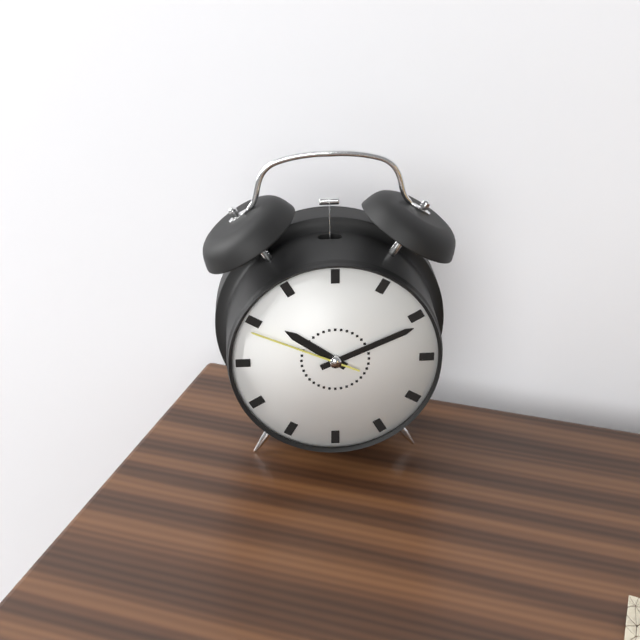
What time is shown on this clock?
10:11:49
